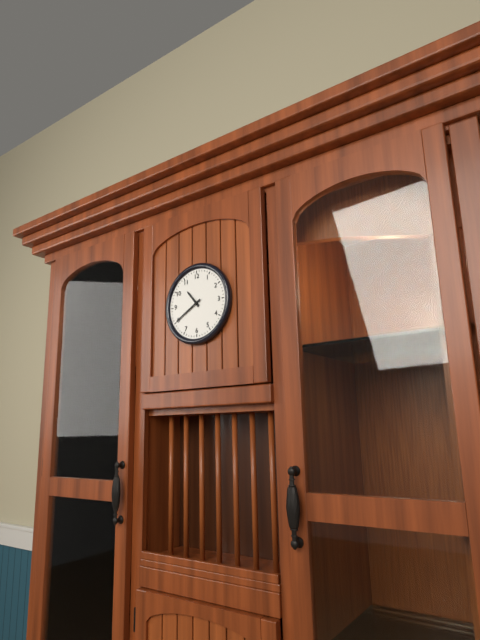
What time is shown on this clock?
10:40
